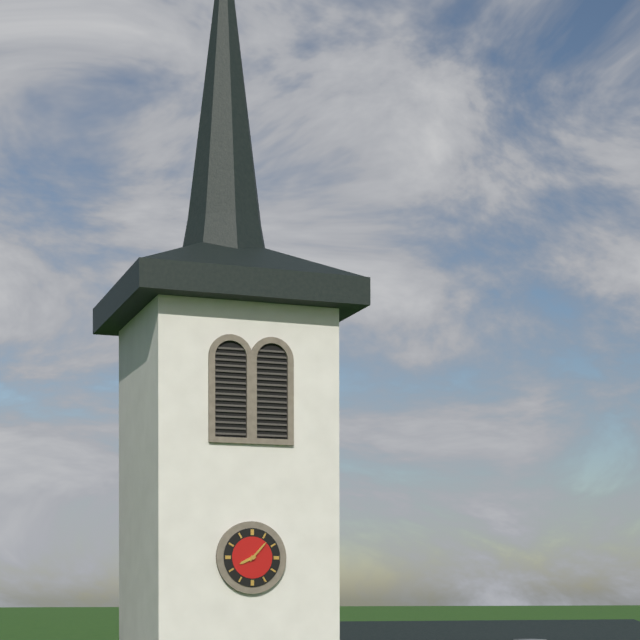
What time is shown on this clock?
8:07
